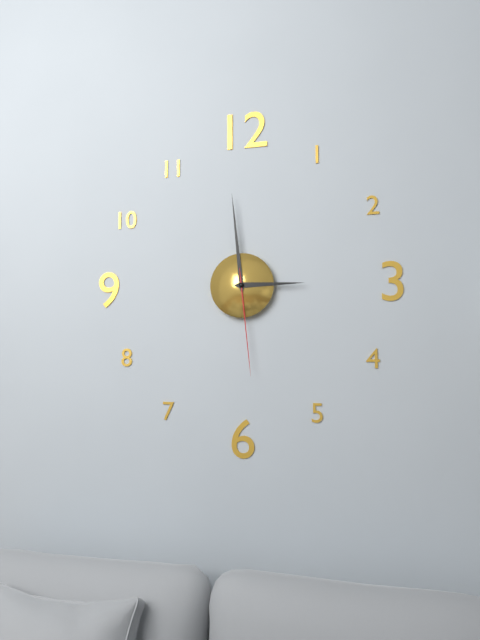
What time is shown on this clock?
2:59:29
